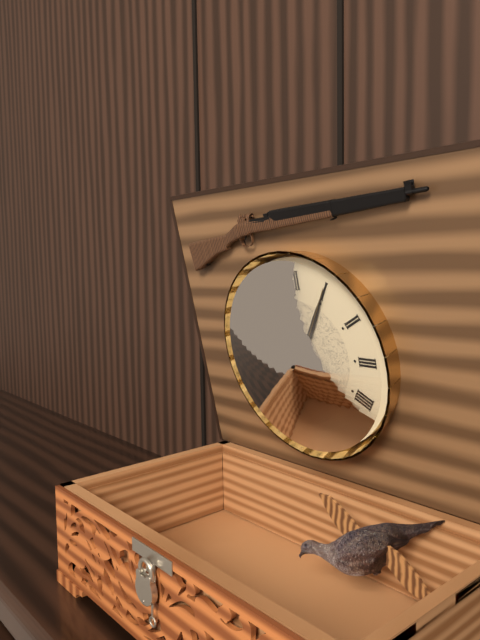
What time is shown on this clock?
10:05:05
